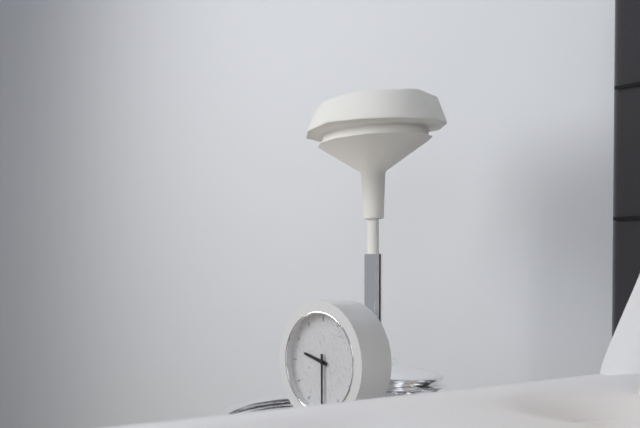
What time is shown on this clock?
9:30
